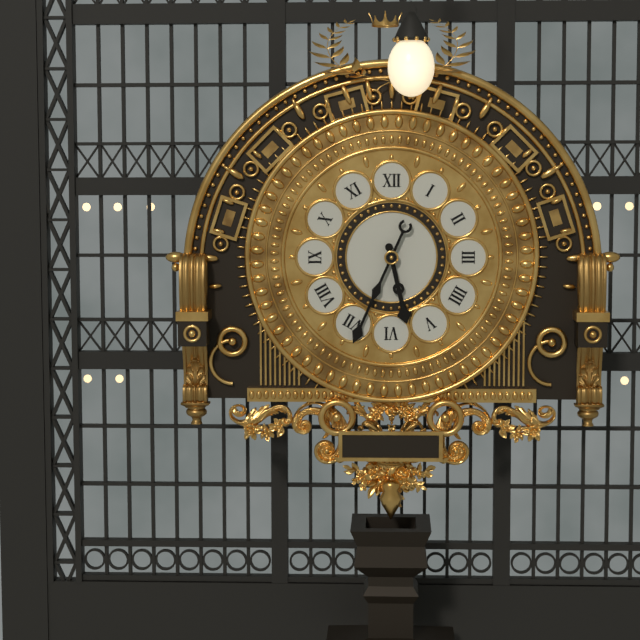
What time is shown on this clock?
5:34
